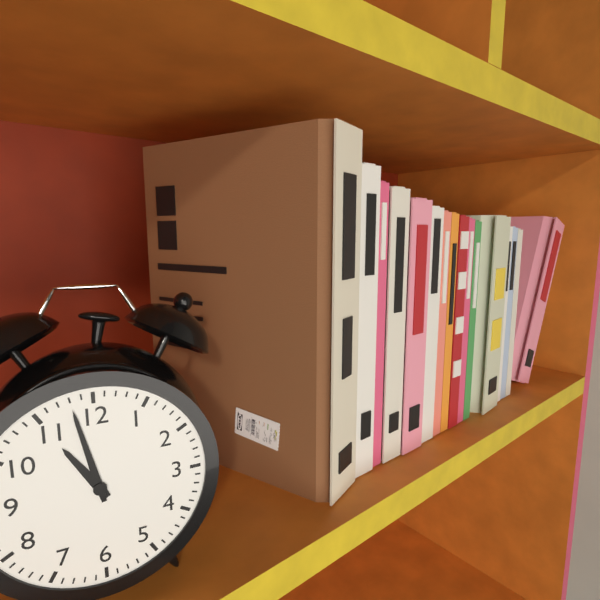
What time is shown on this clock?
10:58
